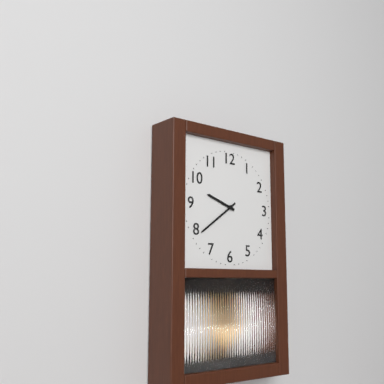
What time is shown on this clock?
9:39
